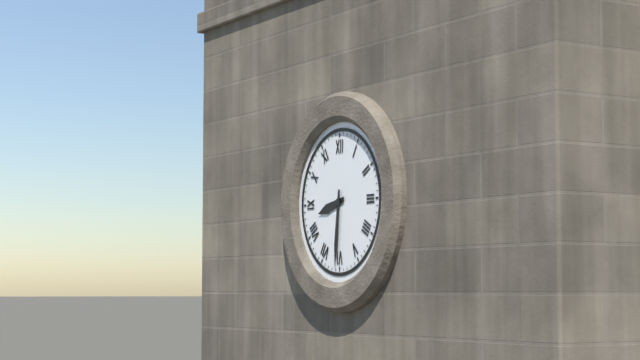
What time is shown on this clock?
8:31
